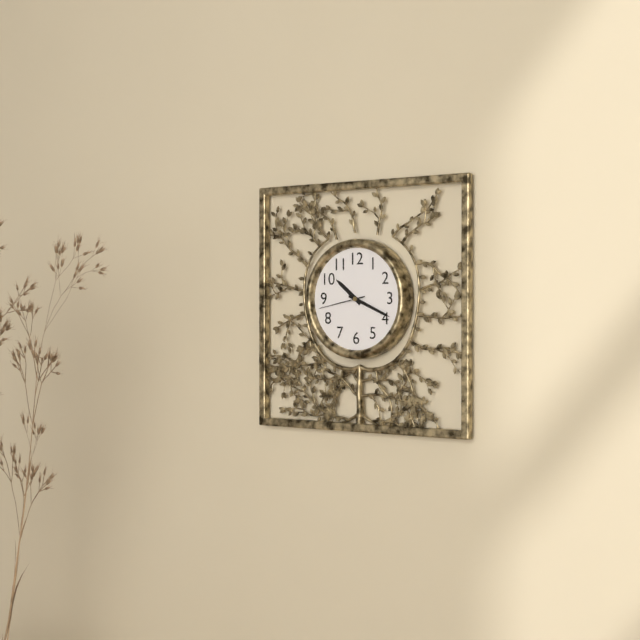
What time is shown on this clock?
10:19:43
